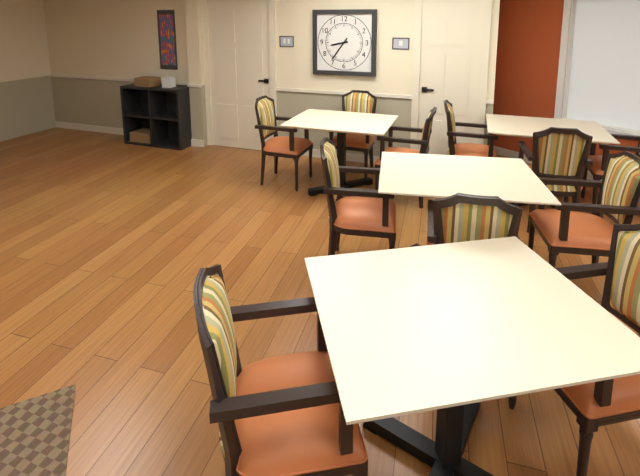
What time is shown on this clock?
8:36
